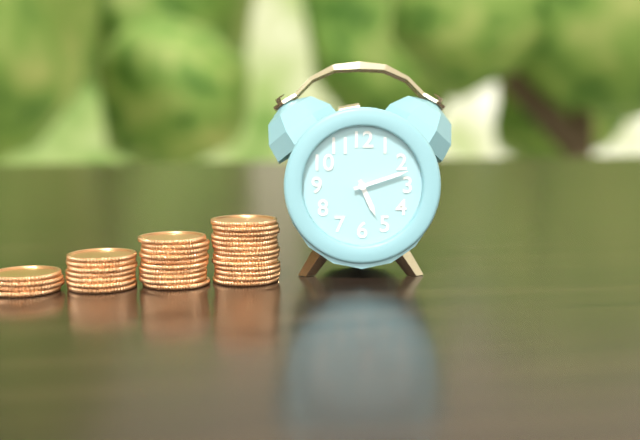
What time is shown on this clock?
5:12
